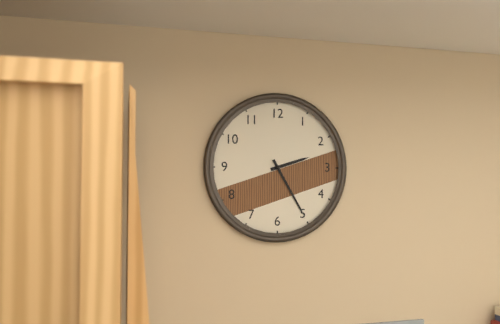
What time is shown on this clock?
2:25
